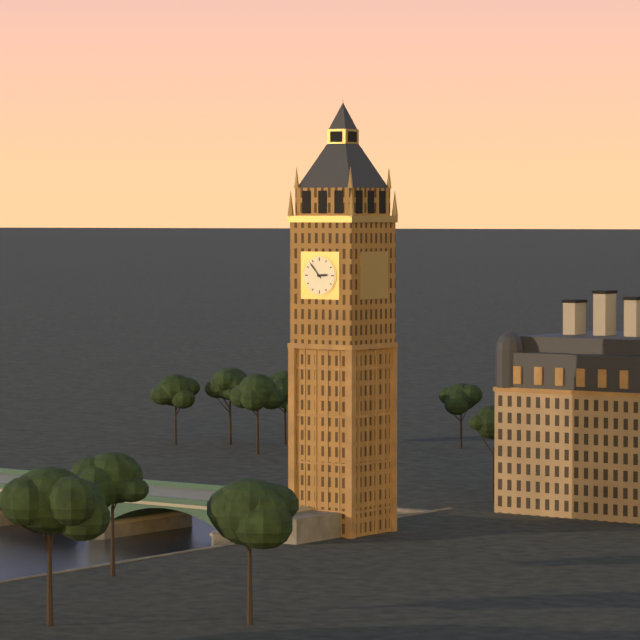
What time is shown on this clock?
2:53
